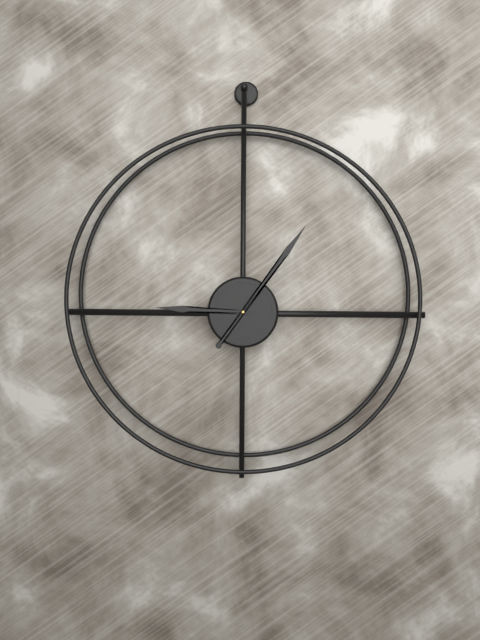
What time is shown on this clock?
9:06
